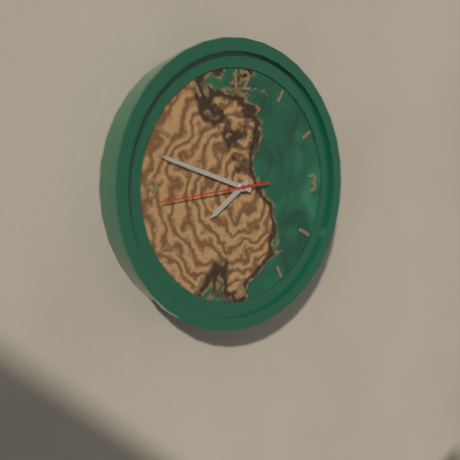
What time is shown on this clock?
7:48:44
